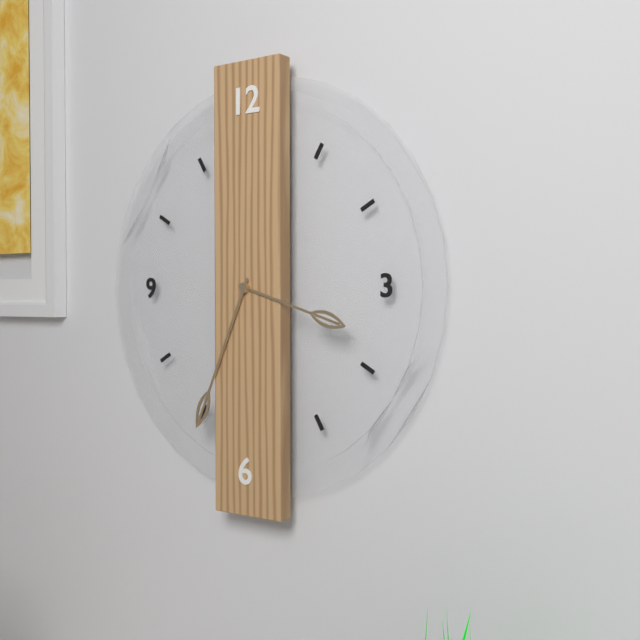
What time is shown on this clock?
3:34
